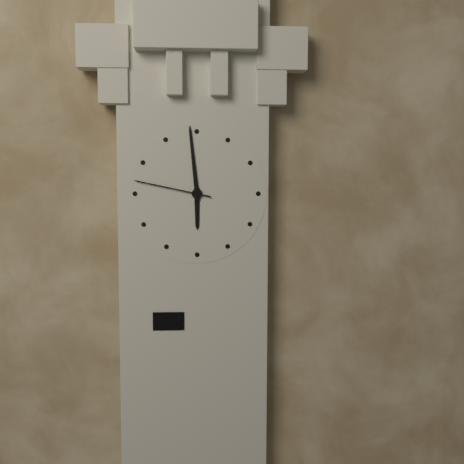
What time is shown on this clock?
5:59:47
